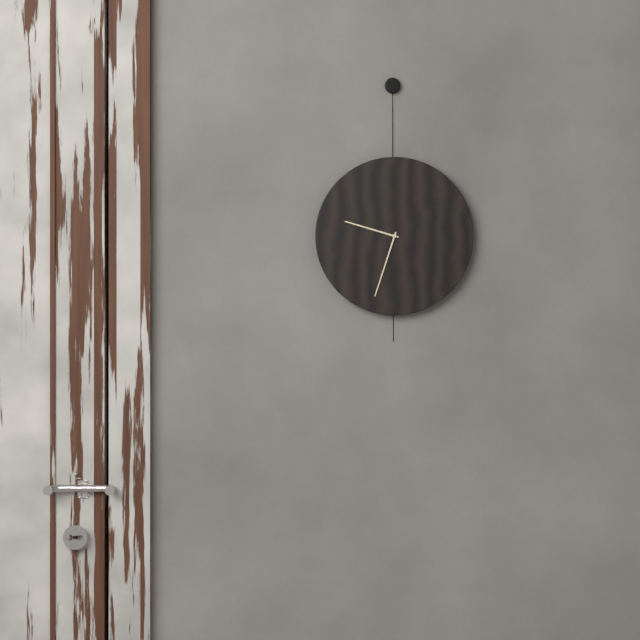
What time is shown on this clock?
9:33
